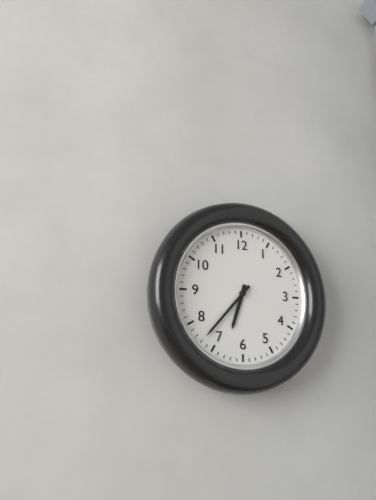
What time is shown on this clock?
6:37
